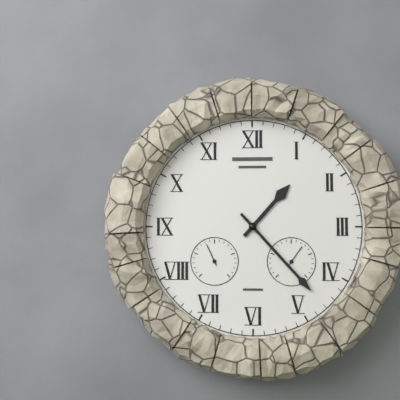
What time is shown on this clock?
1:23
